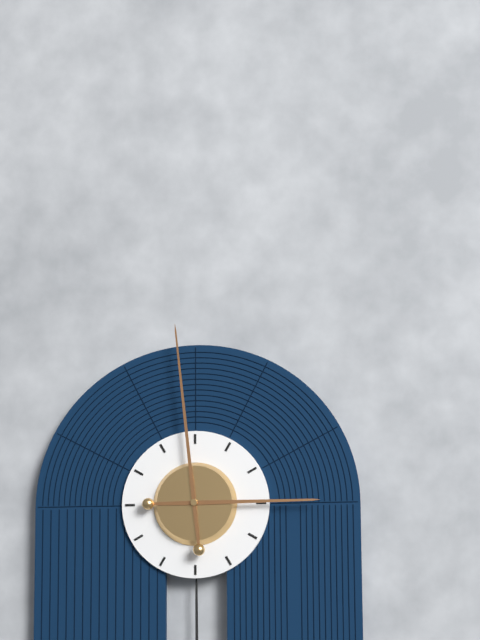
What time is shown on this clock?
2:59
